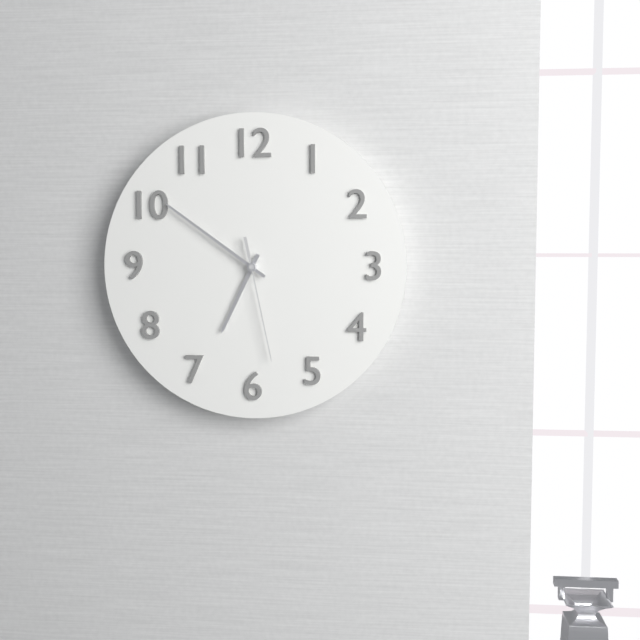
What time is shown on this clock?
6:51:28
